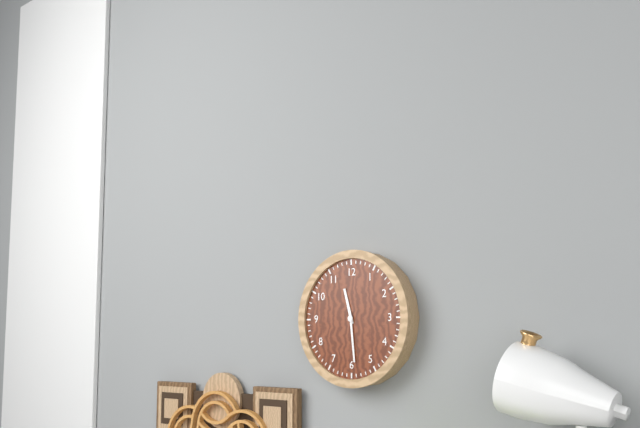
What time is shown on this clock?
11:29
